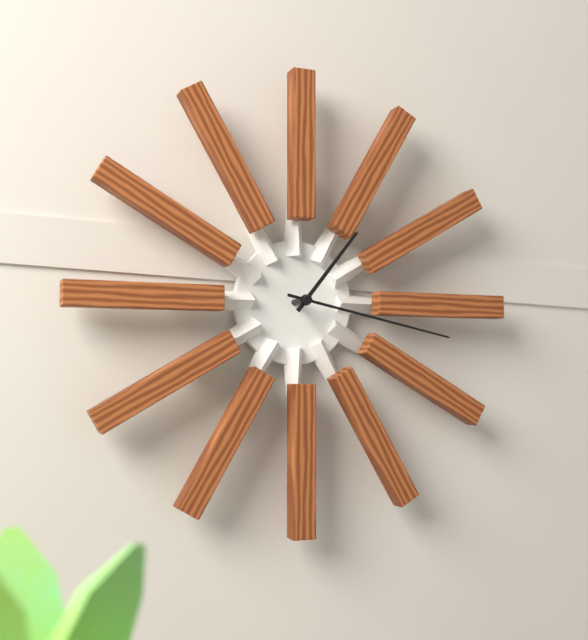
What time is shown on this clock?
1:17
